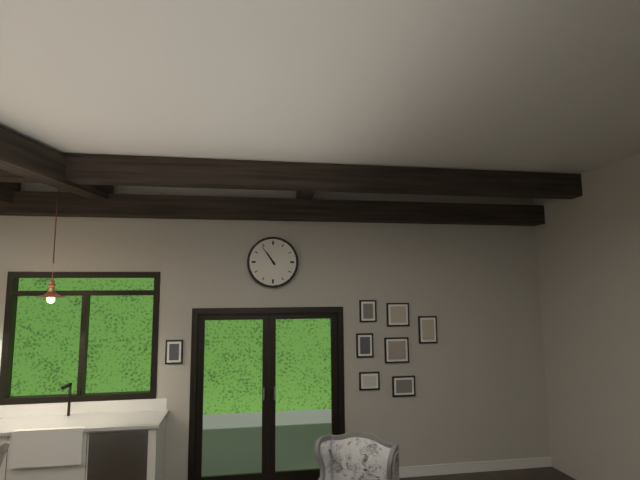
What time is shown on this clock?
10:54
